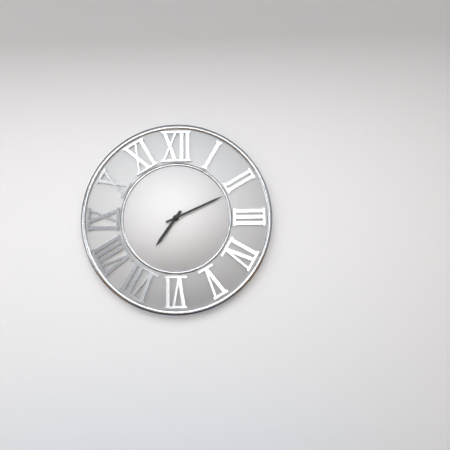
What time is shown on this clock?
7:11
